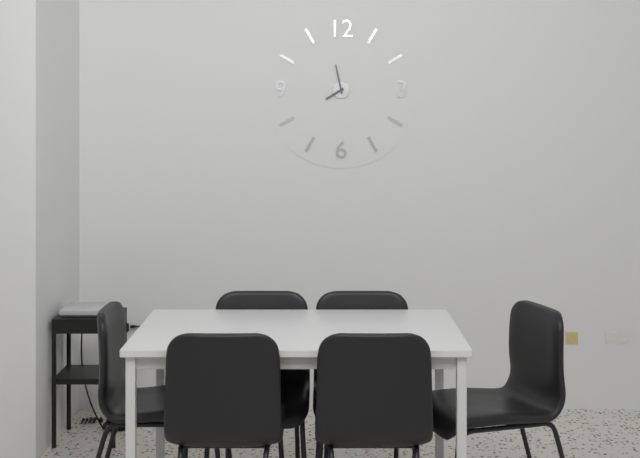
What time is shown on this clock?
7:58
